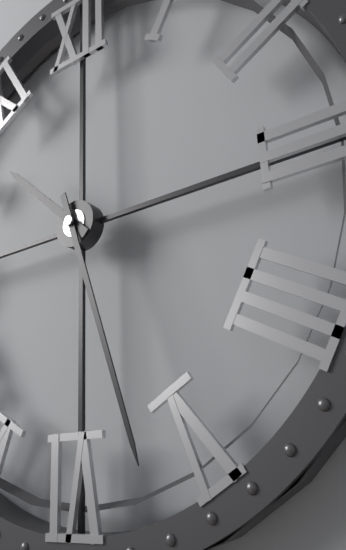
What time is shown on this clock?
10:27
